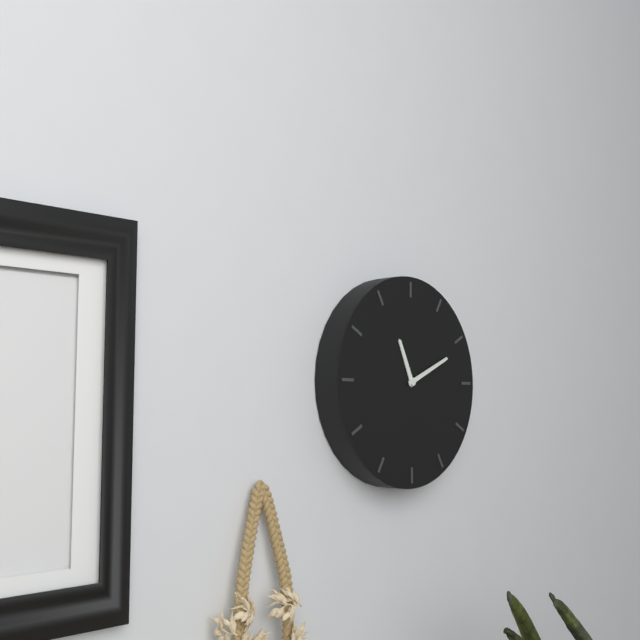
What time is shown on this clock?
11:11
